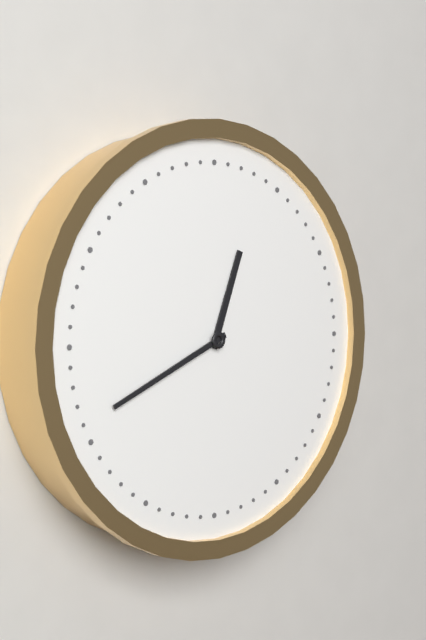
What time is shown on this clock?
12:41
